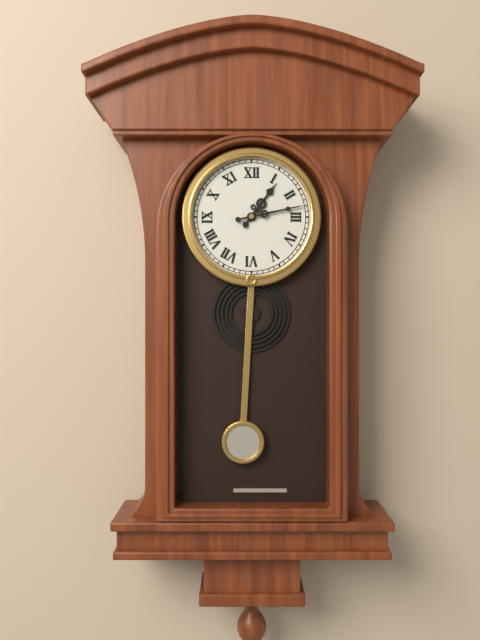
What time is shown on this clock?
1:13
